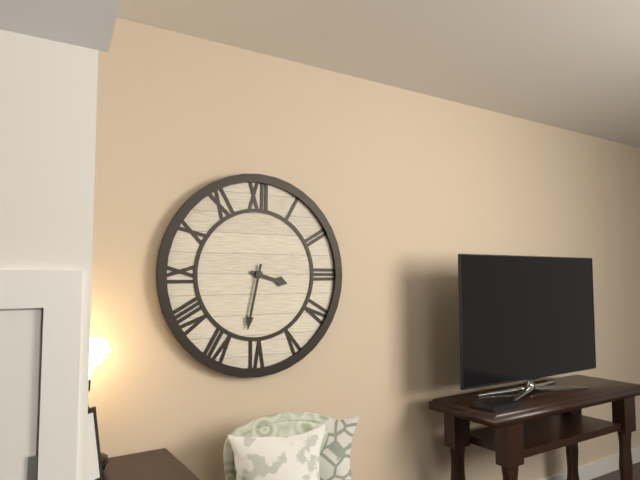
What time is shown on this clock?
3:32
